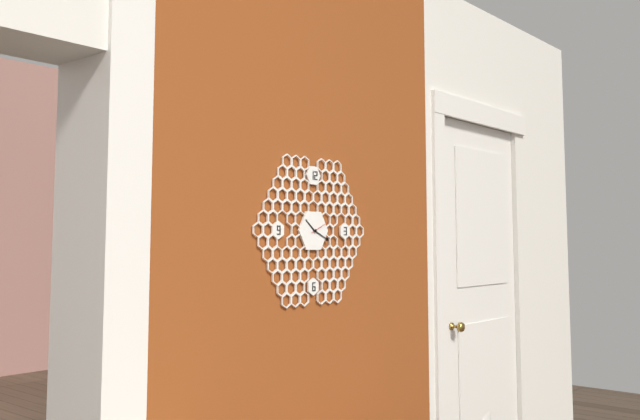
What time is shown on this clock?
10:19
